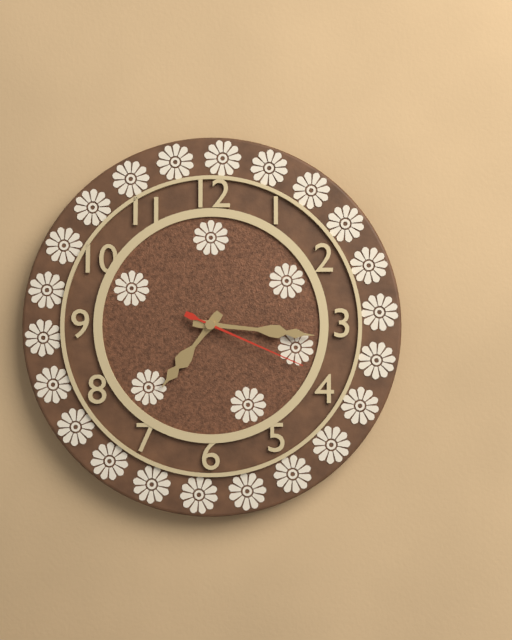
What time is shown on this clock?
7:16:19
